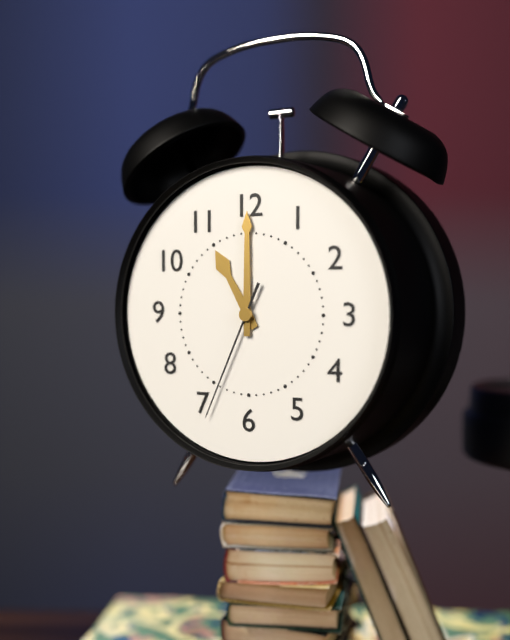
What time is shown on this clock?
11:00:34
